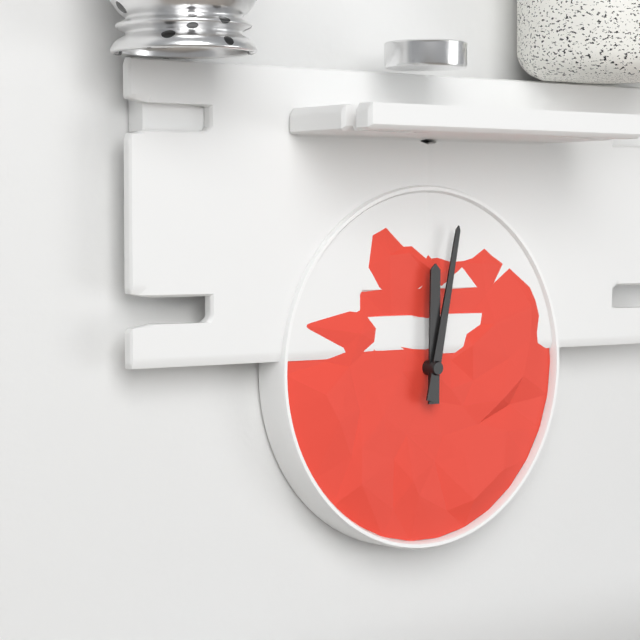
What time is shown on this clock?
12:02
